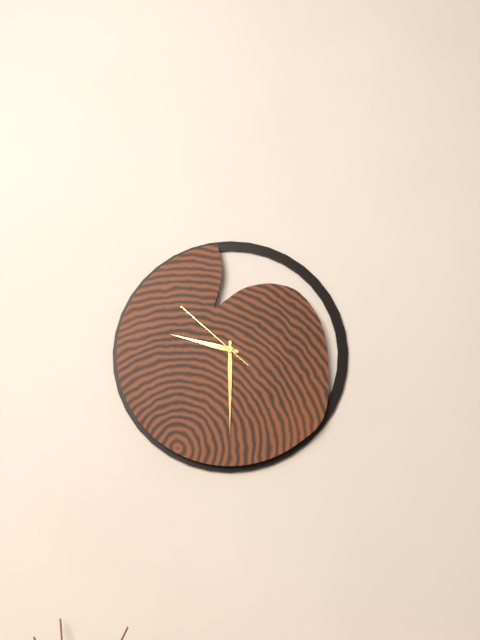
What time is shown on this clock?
9:30:52
